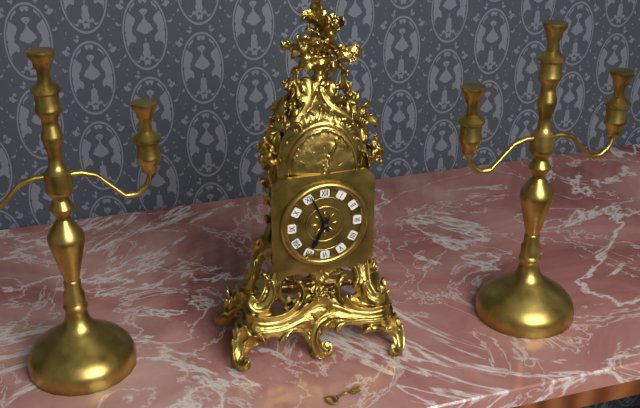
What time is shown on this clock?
6:56
